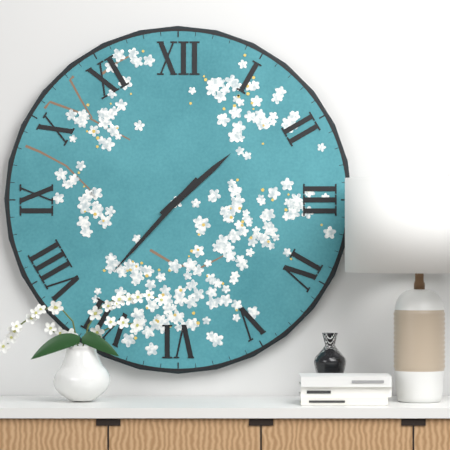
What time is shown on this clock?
1:37
